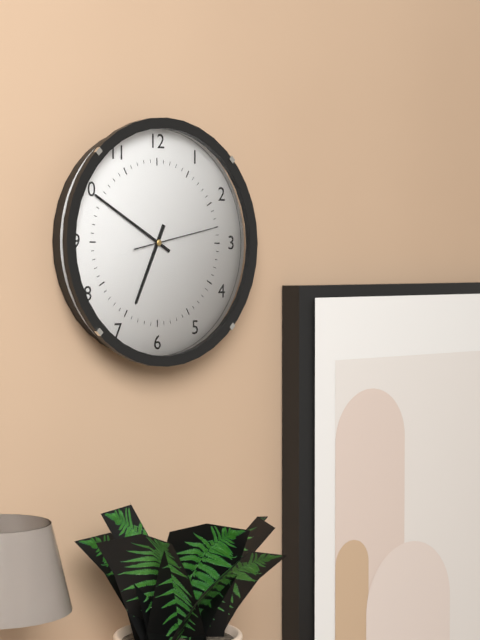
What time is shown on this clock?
6:50:13
